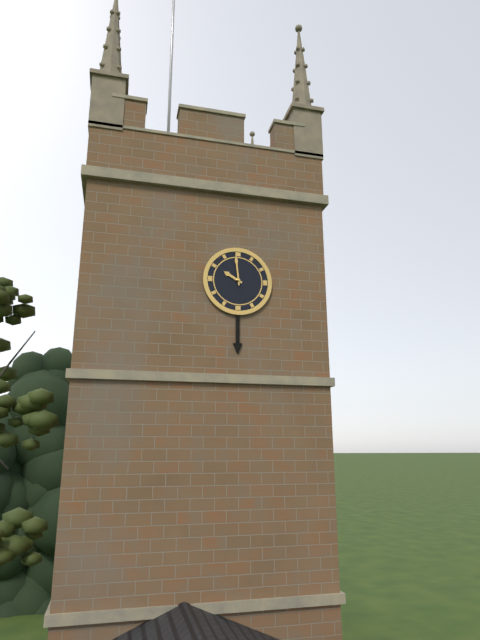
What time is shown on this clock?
9:59
